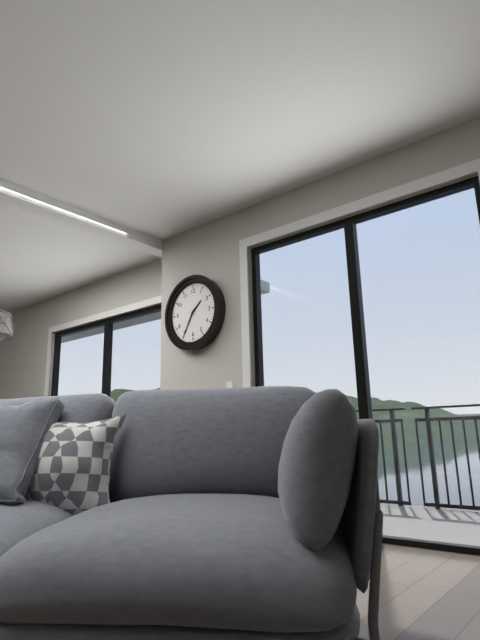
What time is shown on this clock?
1:35
